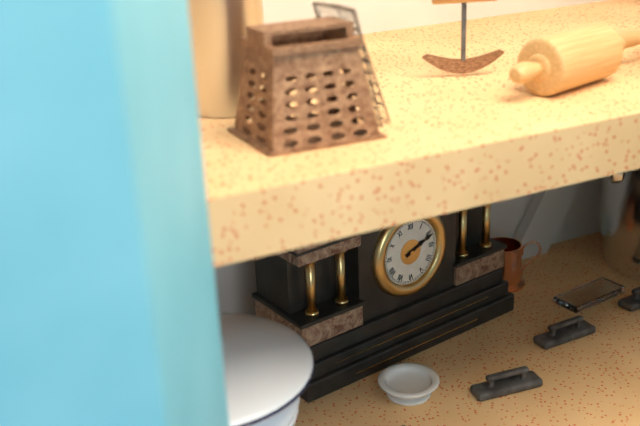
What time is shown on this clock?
2:11
